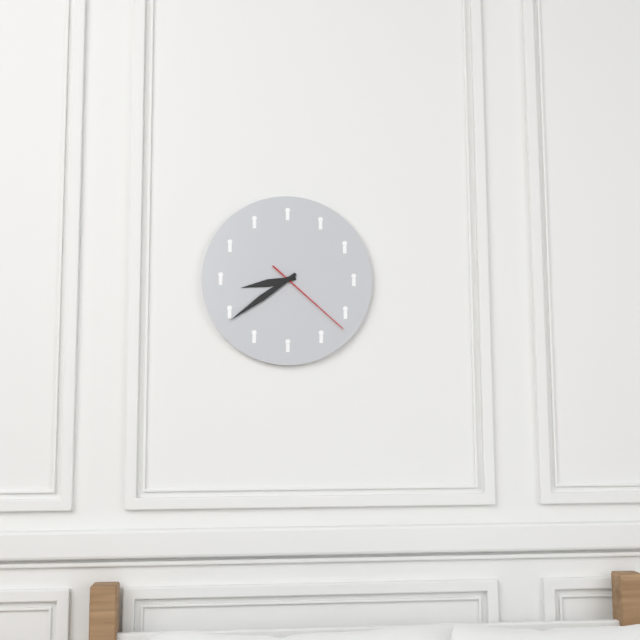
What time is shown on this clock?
8:39:22
